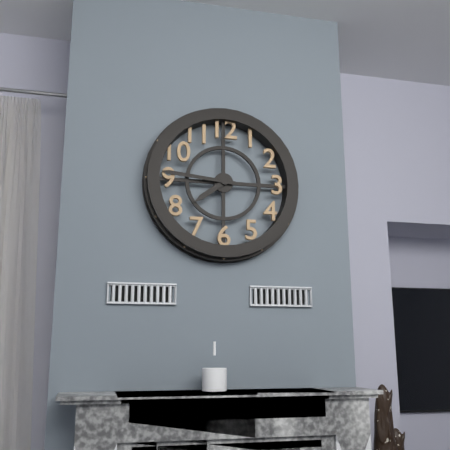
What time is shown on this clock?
7:46
